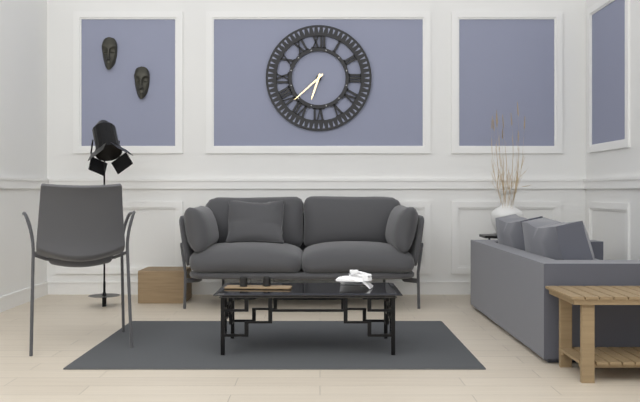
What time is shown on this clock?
6:38
